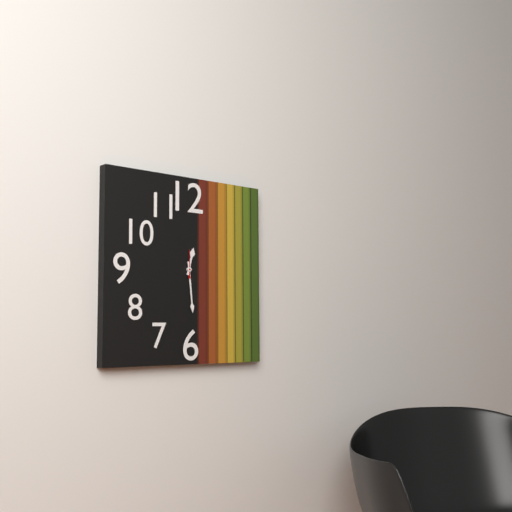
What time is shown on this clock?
12:29
